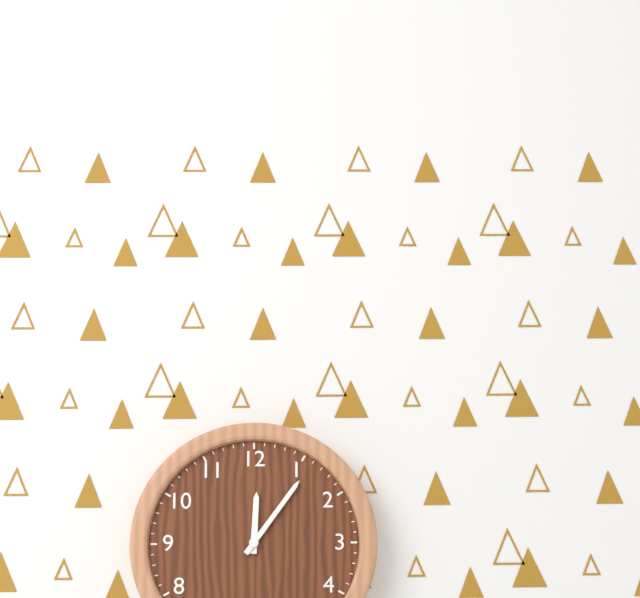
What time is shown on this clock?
12:06
